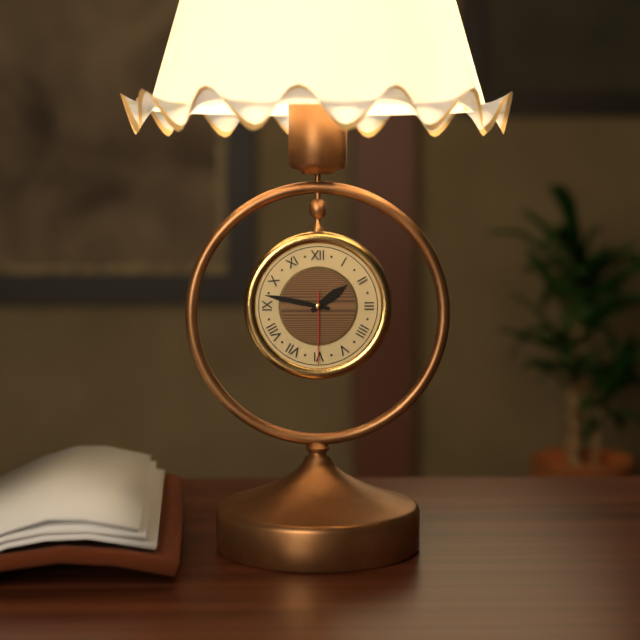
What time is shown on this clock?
1:47:30
